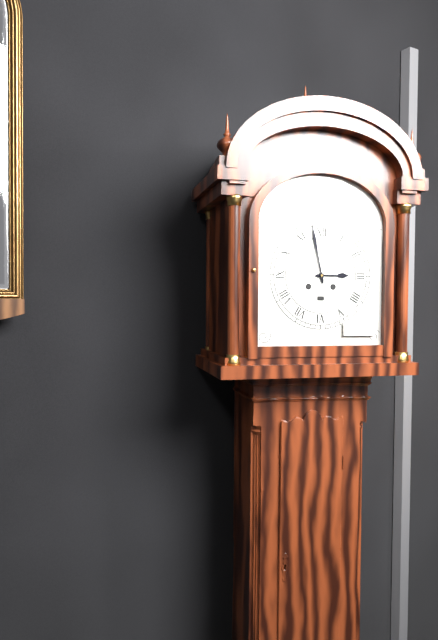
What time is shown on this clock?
2:58
